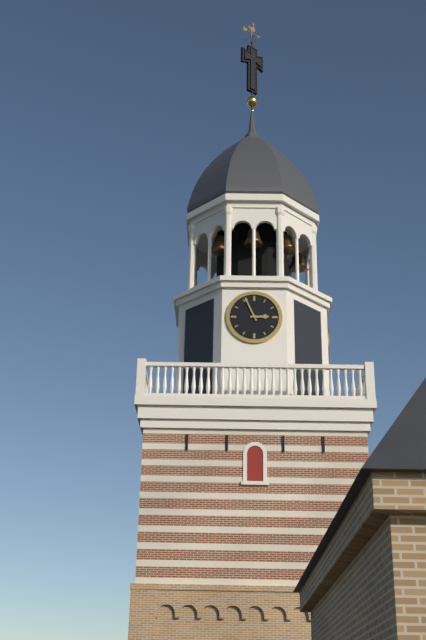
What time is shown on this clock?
2:56
